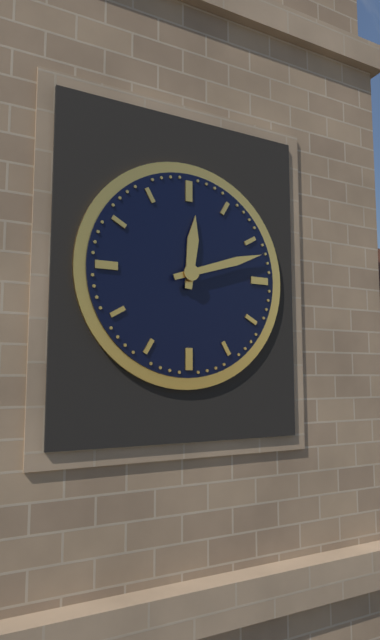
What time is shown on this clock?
12:12
